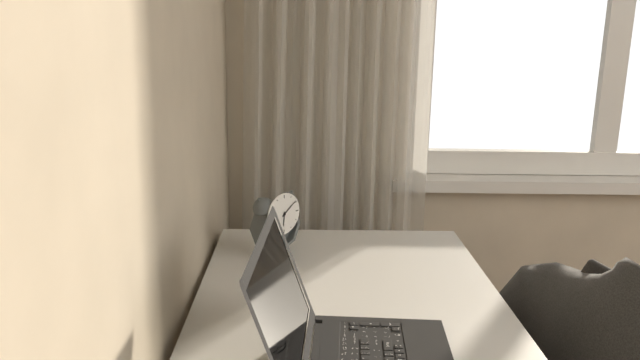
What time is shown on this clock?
6:09
